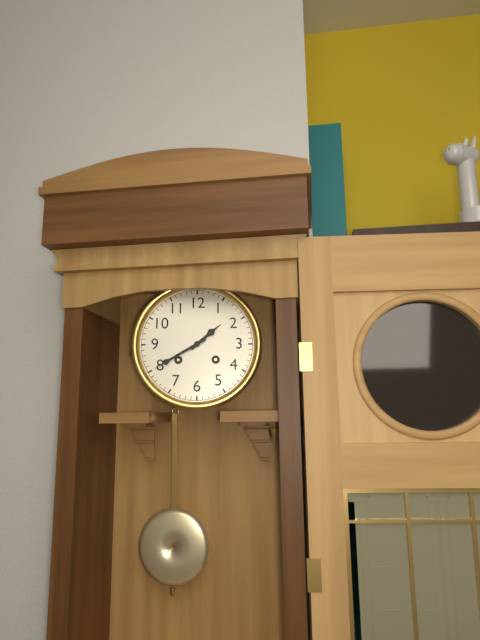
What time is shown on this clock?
1:40
